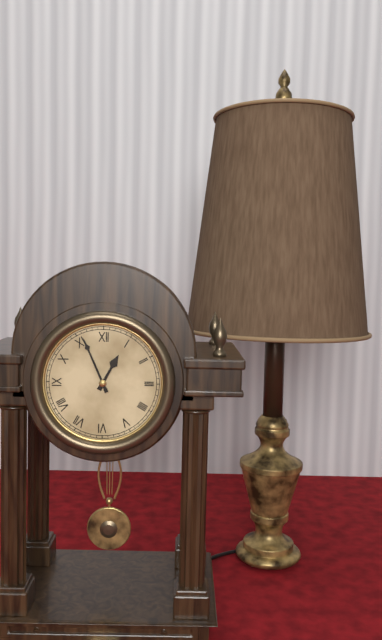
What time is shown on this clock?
12:56
